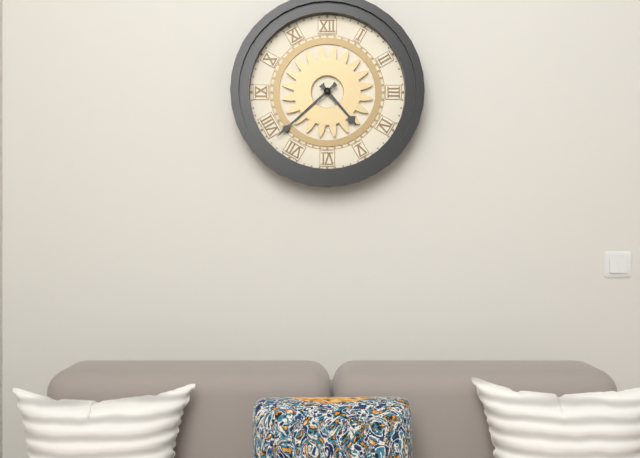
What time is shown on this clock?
4:38
